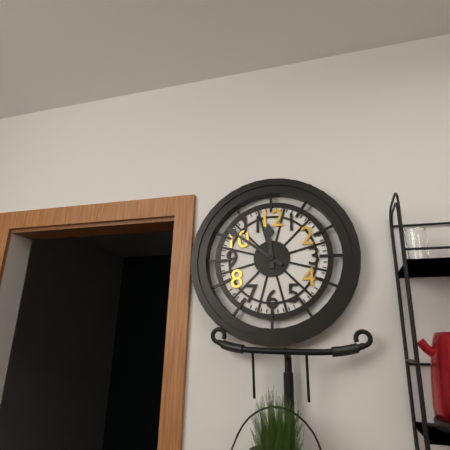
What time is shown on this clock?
11:51
